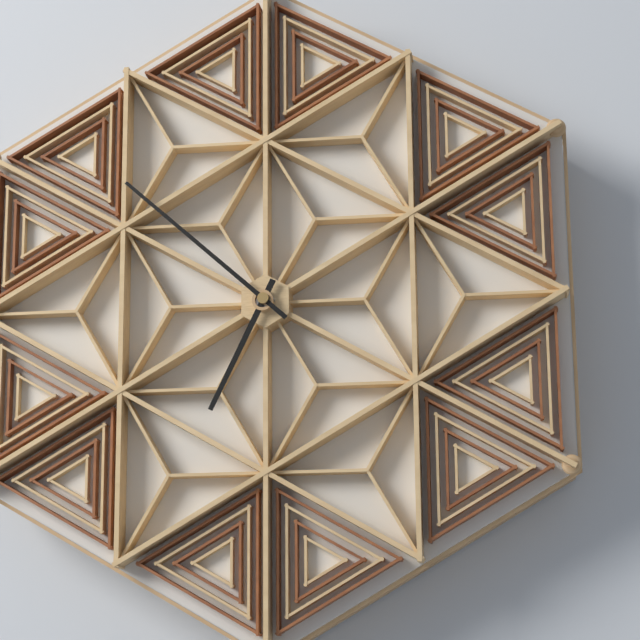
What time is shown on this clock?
6:52
